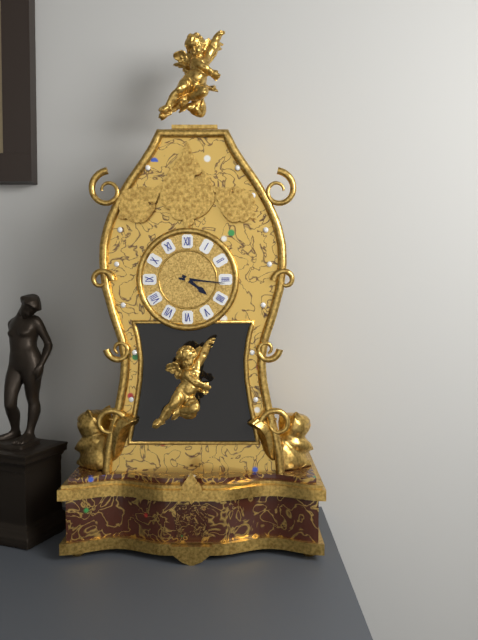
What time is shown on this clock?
4:16
